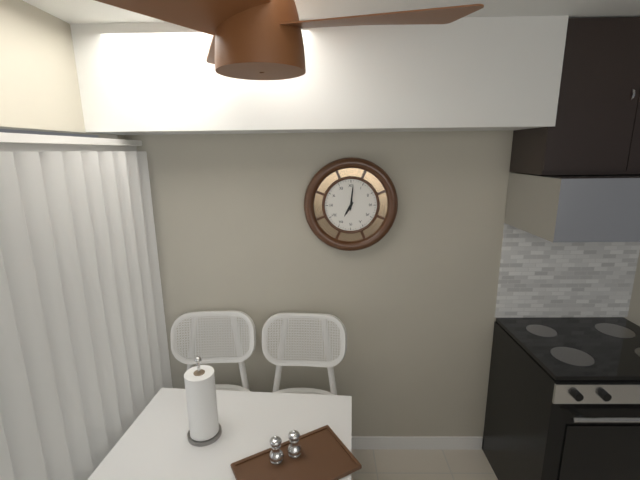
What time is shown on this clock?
7:01
